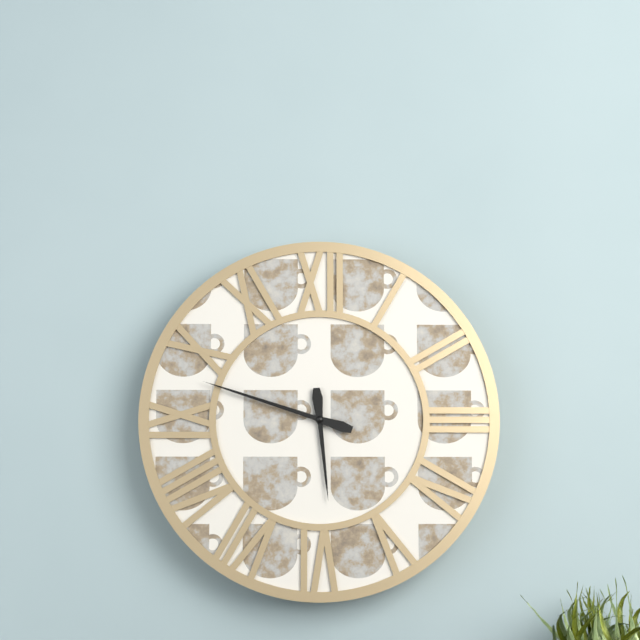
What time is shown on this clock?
5:48
